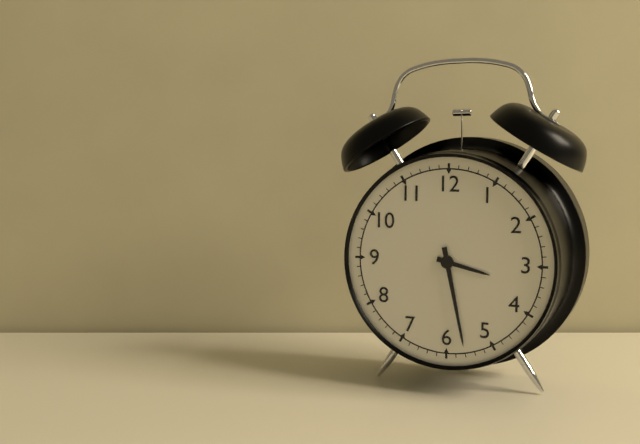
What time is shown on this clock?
3:28
